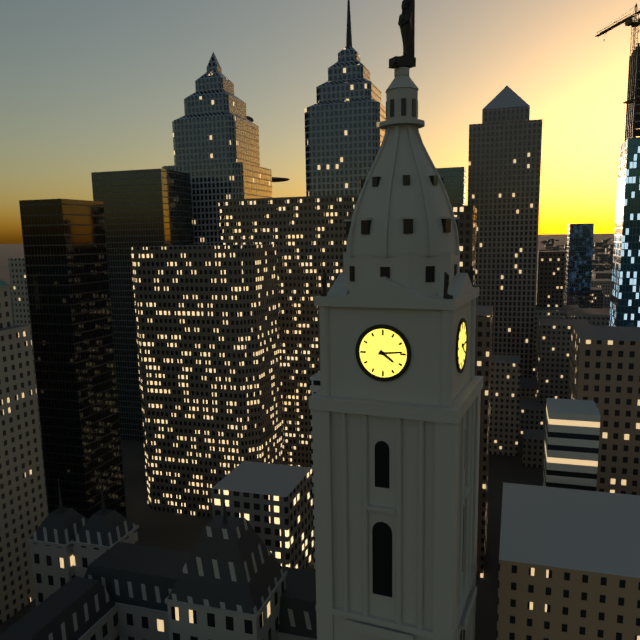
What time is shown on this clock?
4:14
